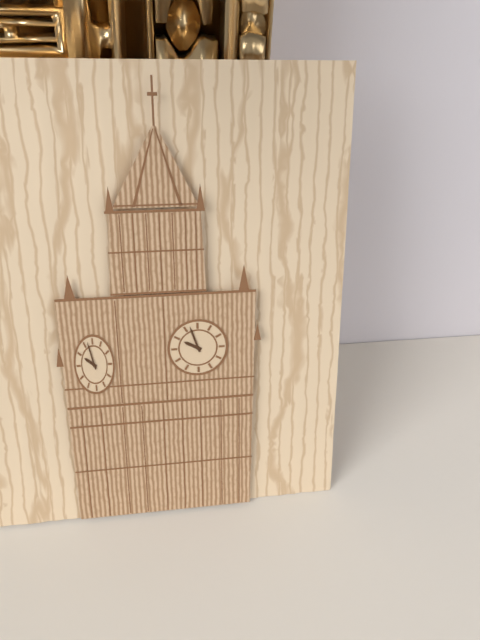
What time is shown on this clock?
9:57
